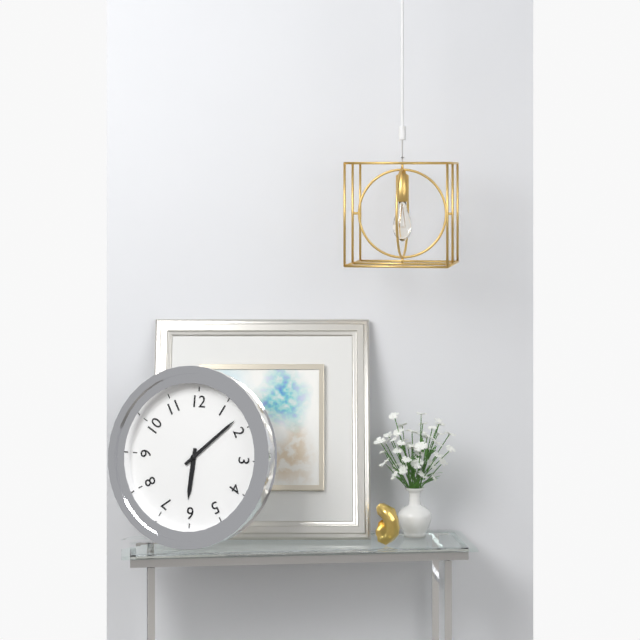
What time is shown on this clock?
6:08
